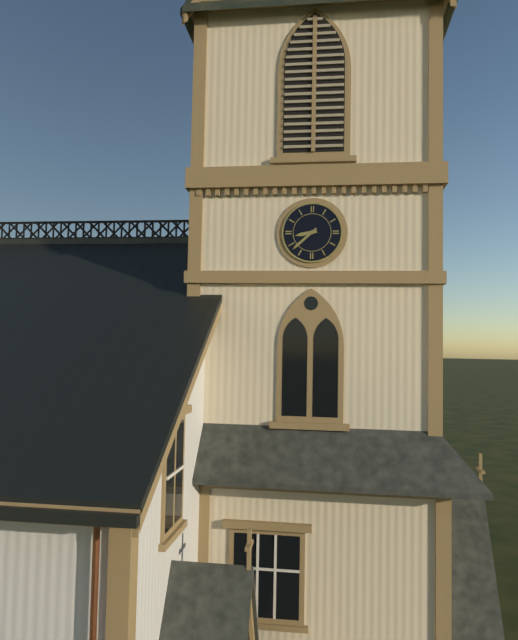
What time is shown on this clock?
8:38
